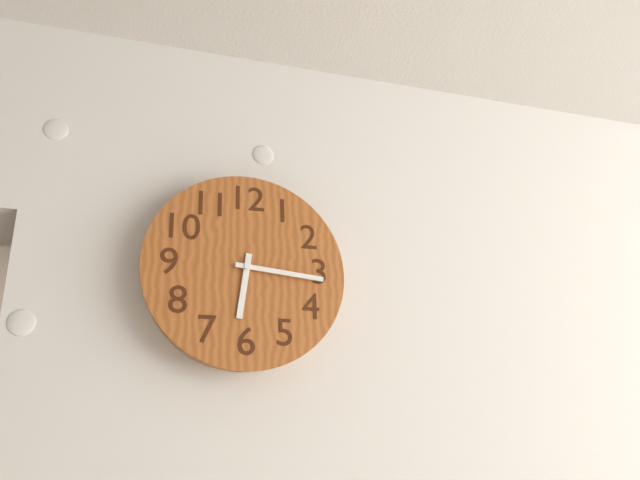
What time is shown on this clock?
6:16
